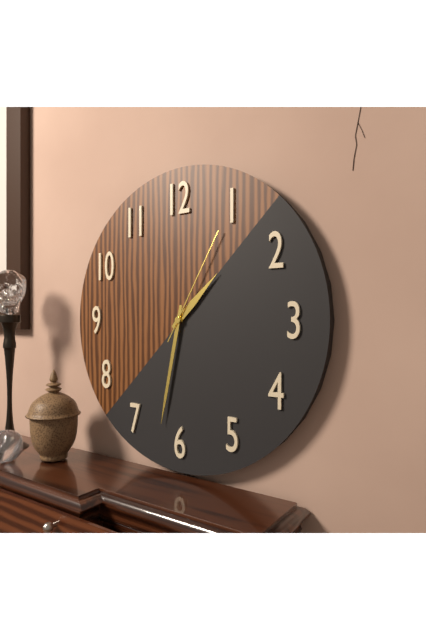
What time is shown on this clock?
1:32:05
